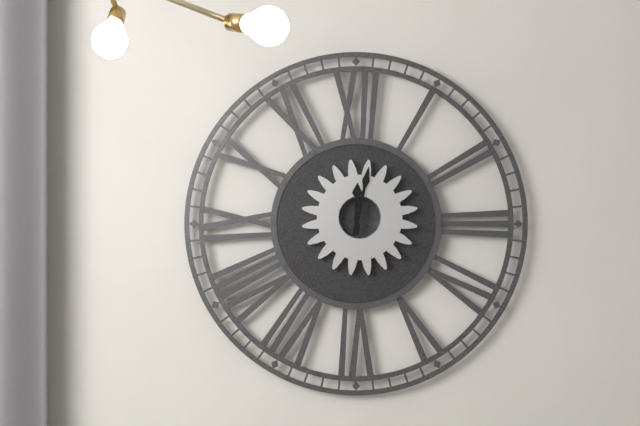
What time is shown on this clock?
12:02
